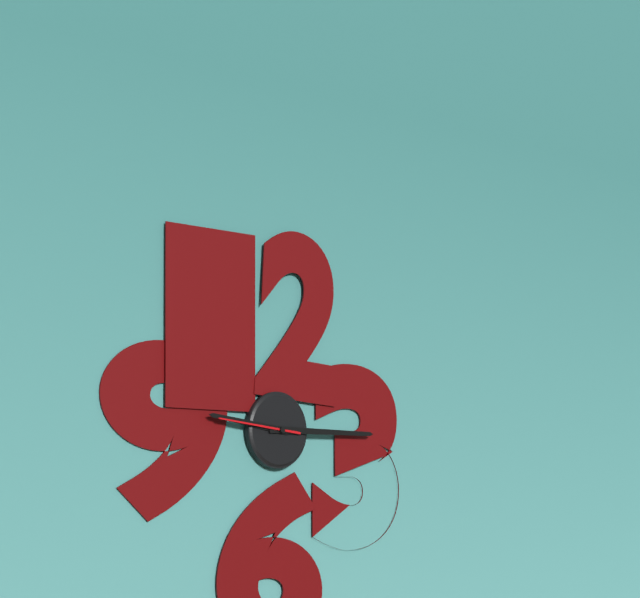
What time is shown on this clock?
9:15:46
